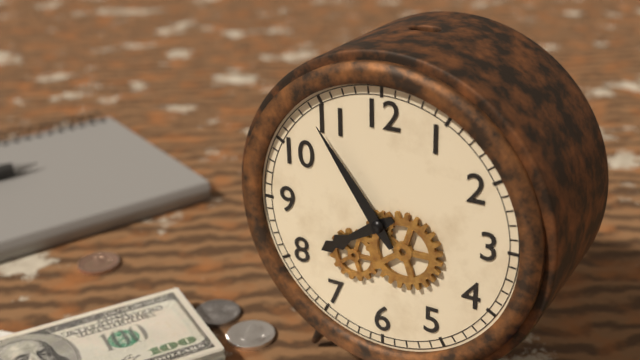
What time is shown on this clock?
7:54
